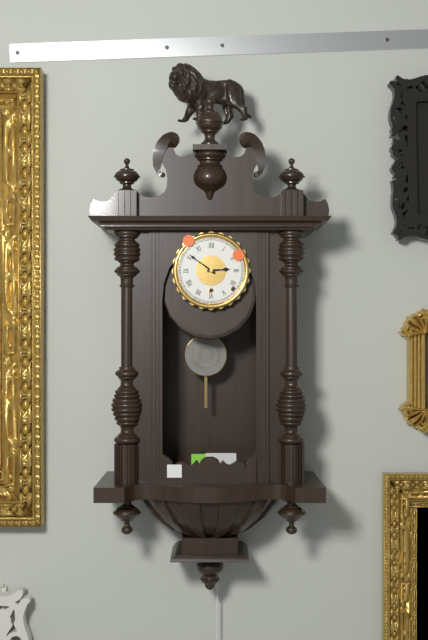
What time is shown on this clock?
2:51
